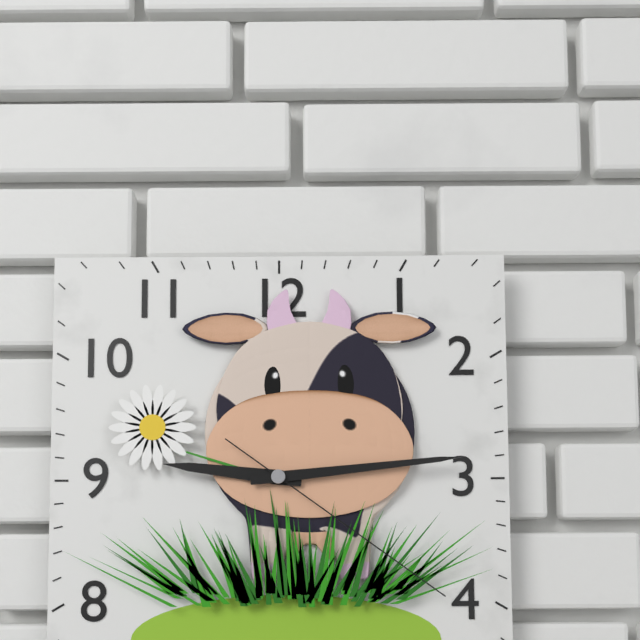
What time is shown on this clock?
9:14:21
